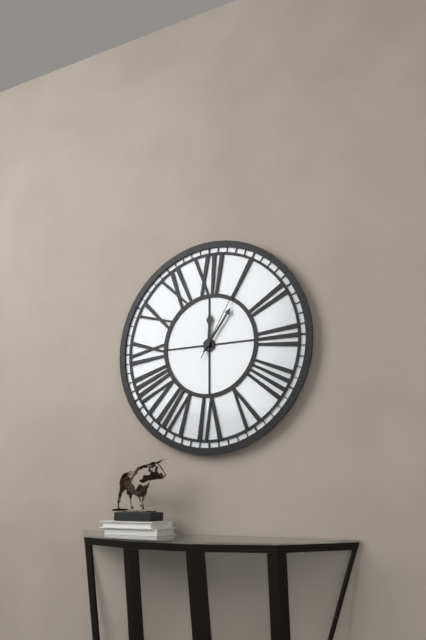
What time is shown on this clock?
12:06:05
